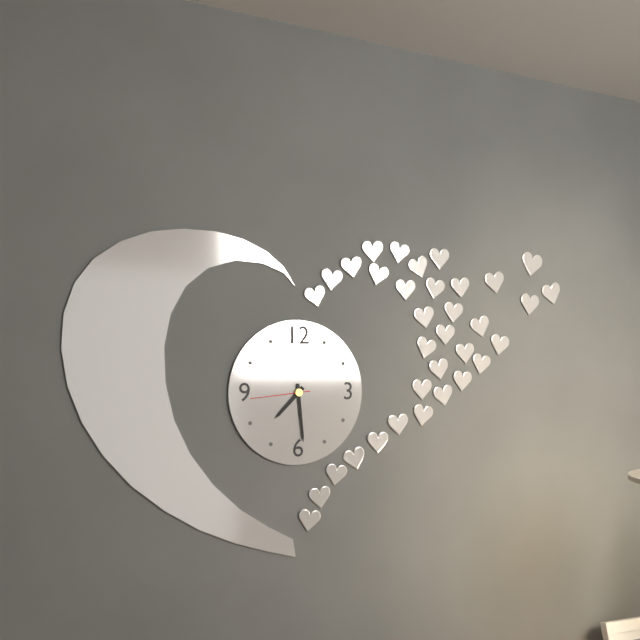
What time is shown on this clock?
7:29:44
